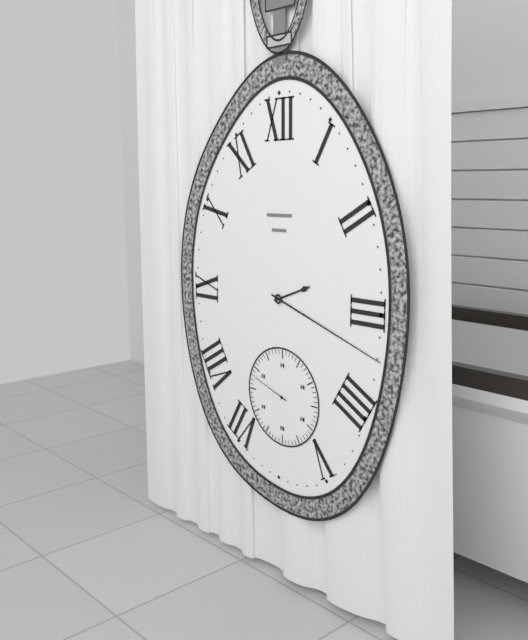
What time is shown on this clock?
2:18
